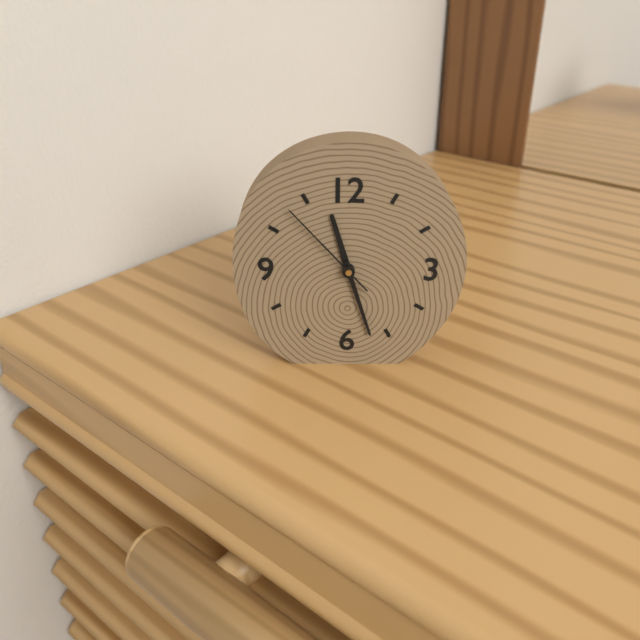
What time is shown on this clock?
11:27:53
